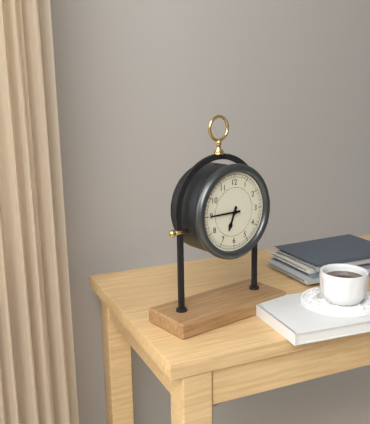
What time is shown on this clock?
6:45
